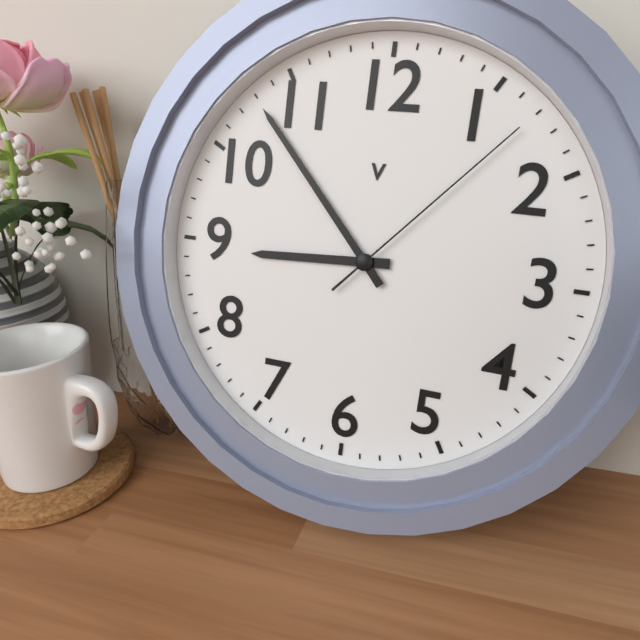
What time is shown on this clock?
8:53:07
